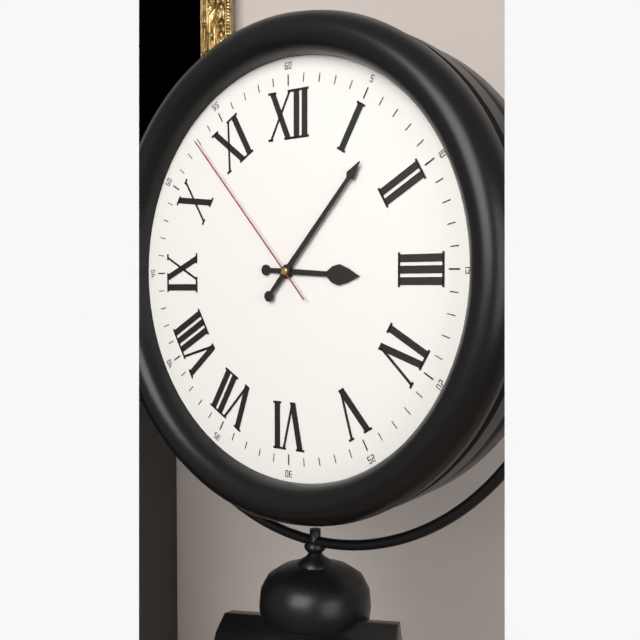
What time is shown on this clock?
3:07:53
